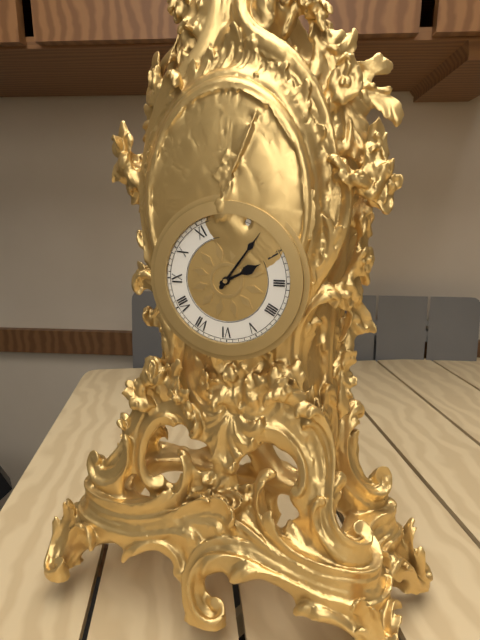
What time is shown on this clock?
2:06
